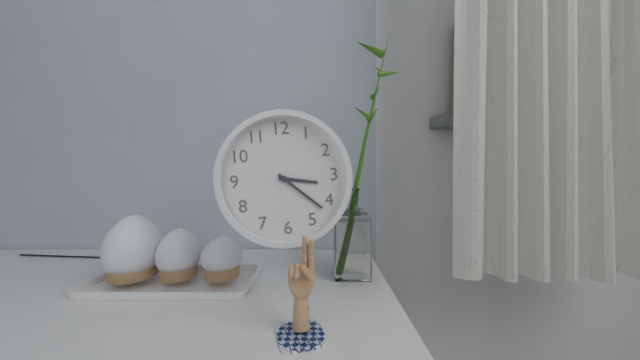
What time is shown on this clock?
3:22
